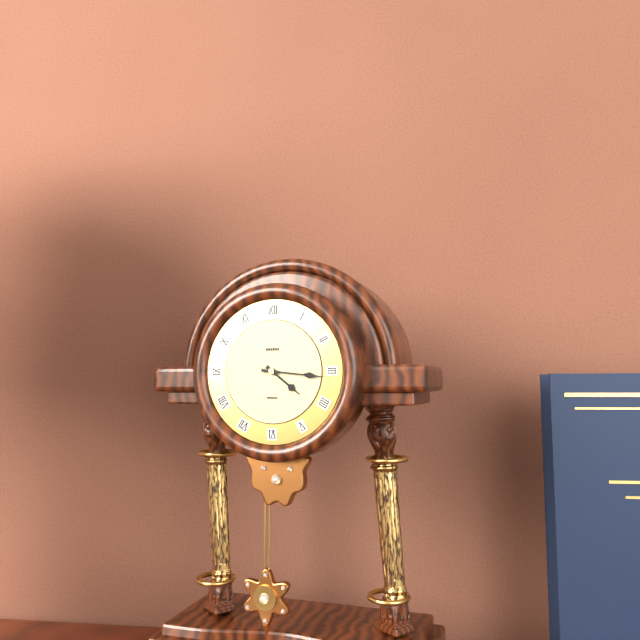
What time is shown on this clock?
4:16
